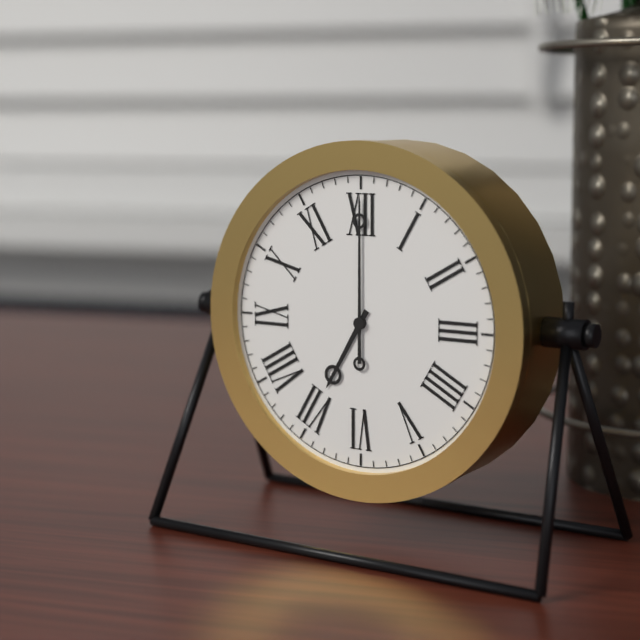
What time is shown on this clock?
7:00
